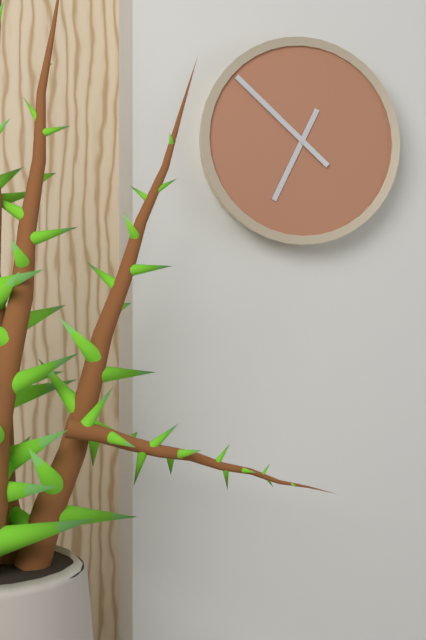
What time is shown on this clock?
6:52
